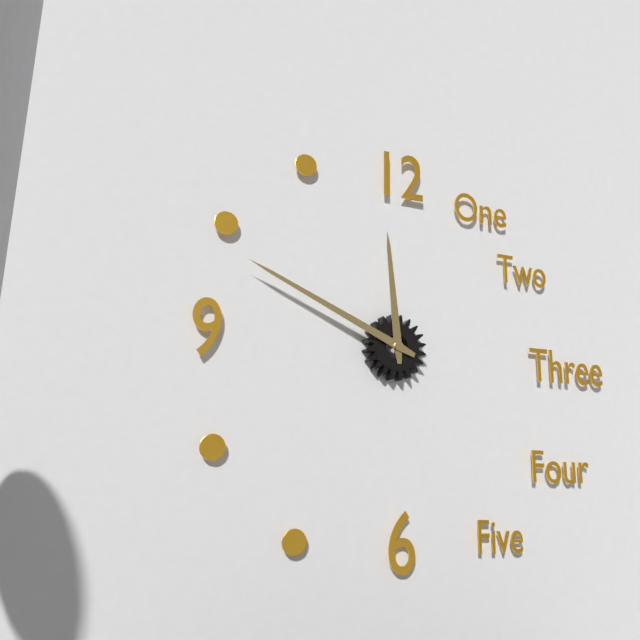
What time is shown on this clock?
11:49
